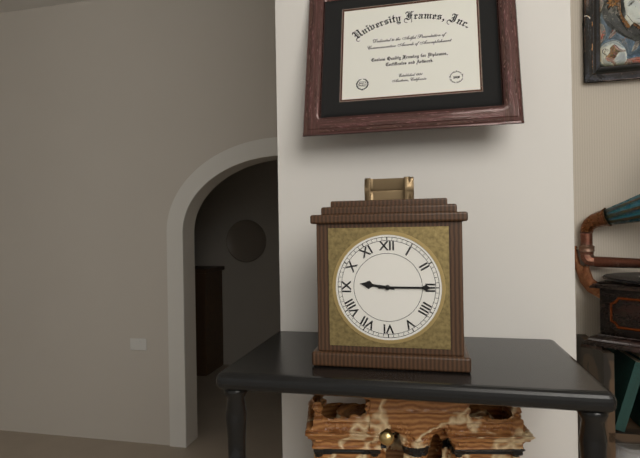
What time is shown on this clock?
9:15
